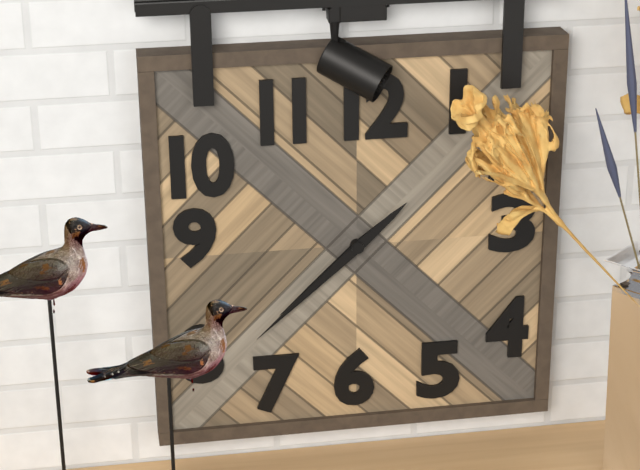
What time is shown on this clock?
7:38
